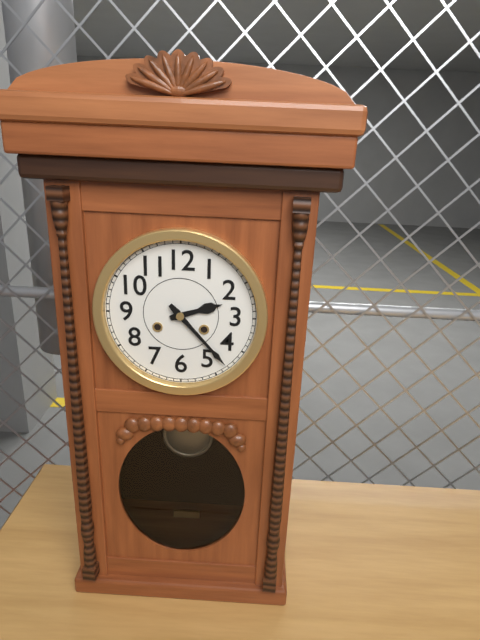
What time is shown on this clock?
2:23
